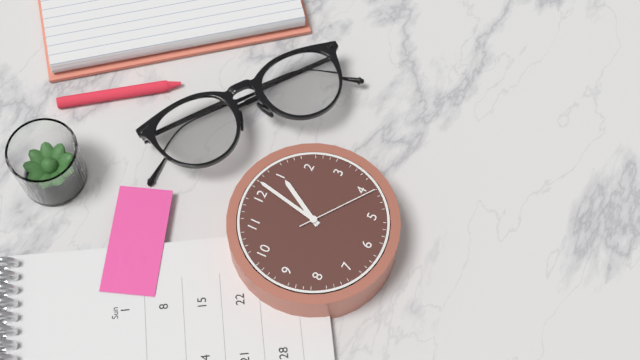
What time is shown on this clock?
1:02:21
